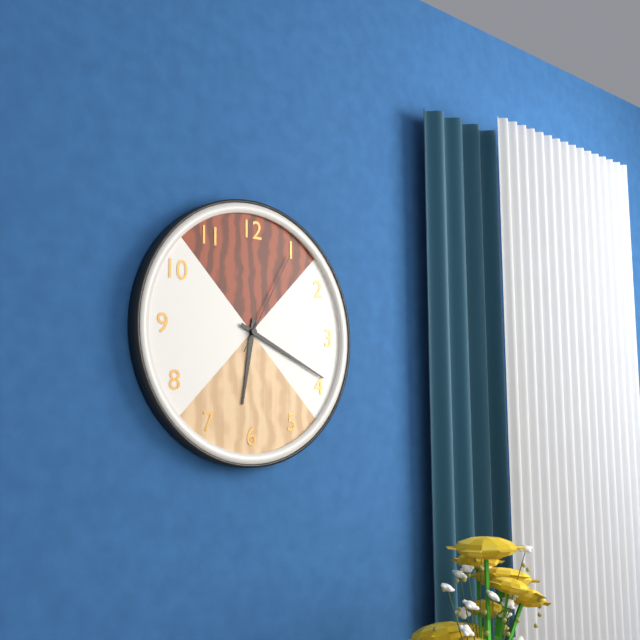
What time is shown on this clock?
6:19:05
